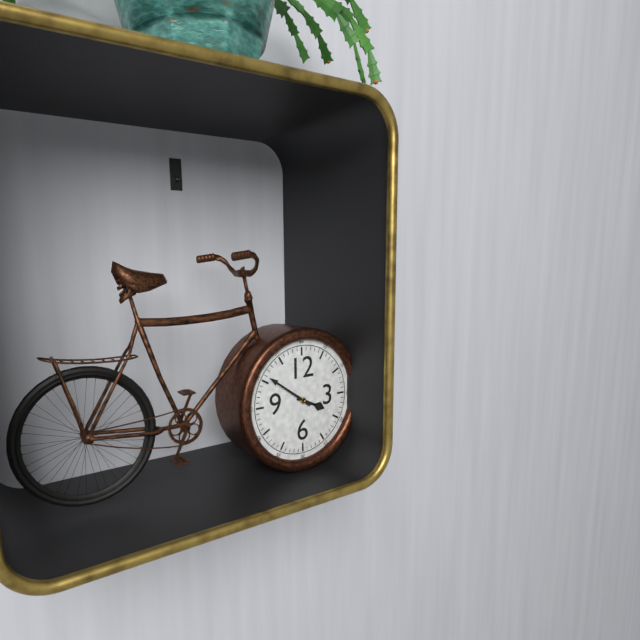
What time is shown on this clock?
3:51
